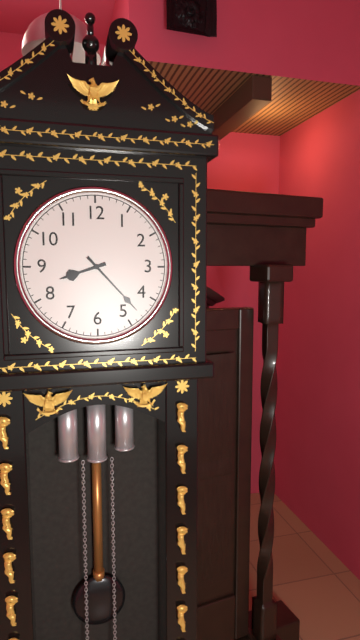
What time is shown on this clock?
8:23
